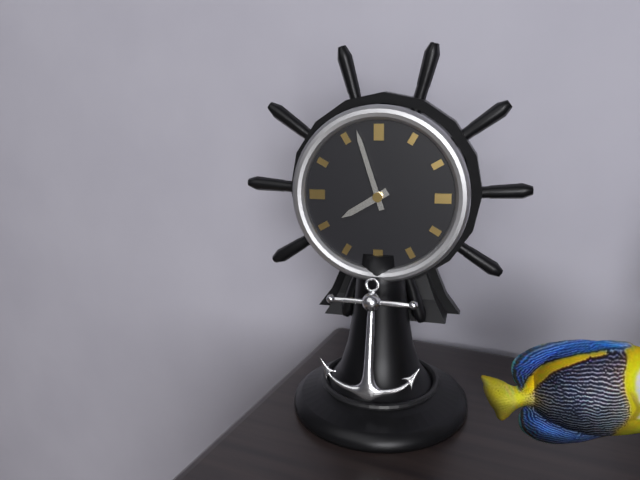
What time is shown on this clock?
7:57
